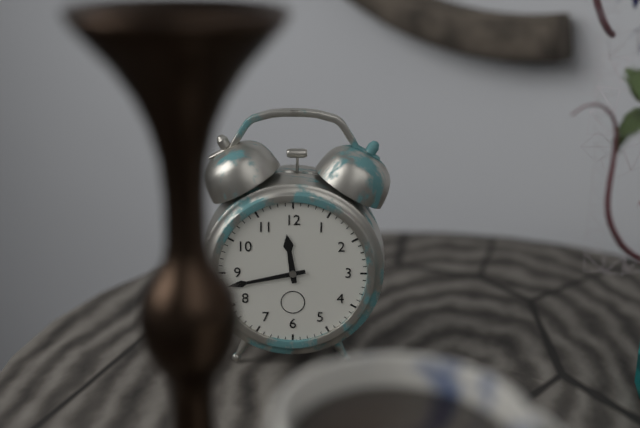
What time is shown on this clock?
11:43
